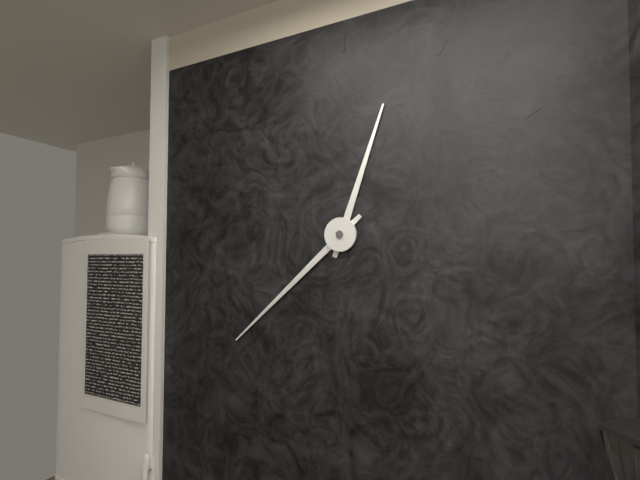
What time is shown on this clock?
12:38
